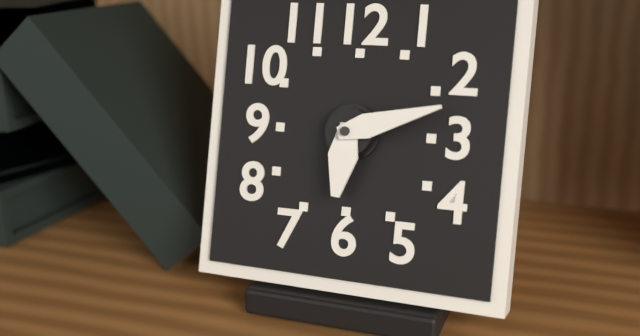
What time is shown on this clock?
6:12
